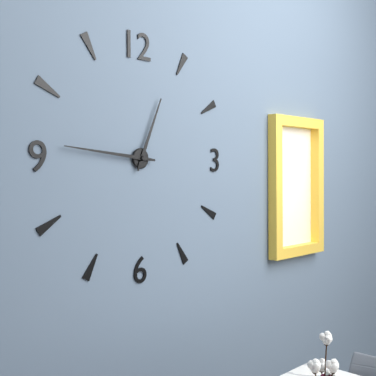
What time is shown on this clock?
12:46
